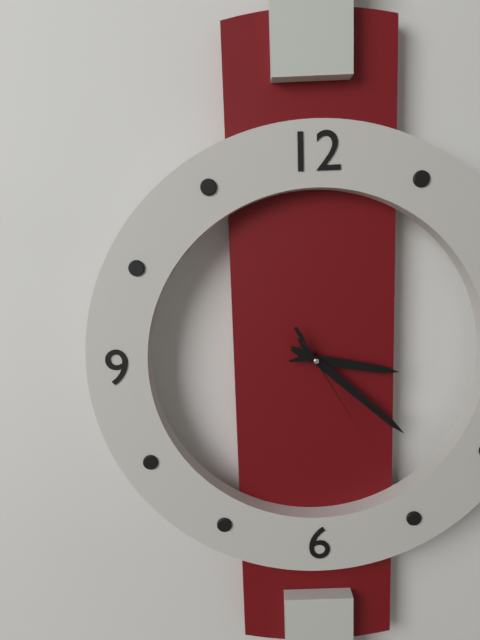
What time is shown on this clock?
3:22:25
